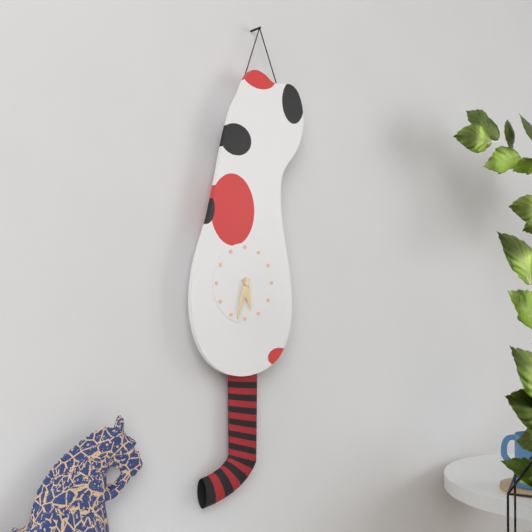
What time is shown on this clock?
5:33
